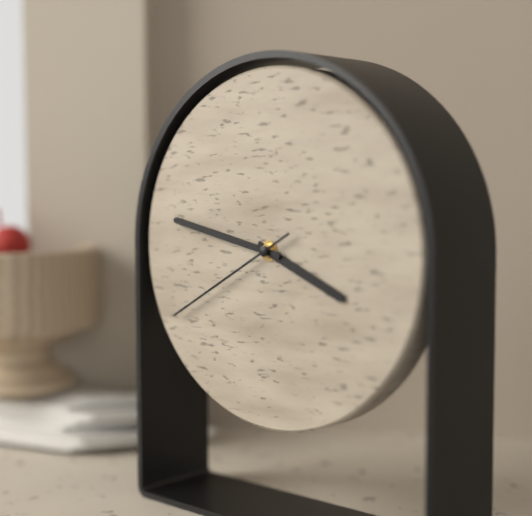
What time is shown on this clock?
3:47:40
